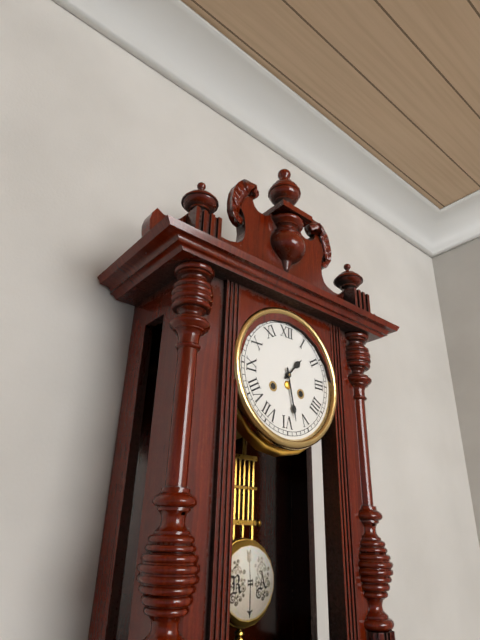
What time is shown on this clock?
1:28
